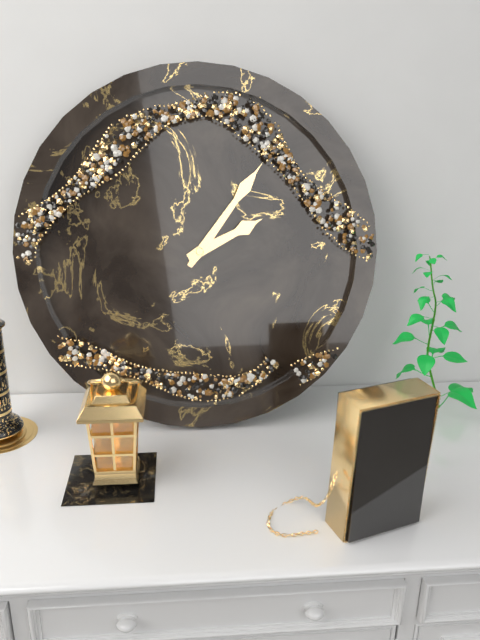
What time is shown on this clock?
2:06
